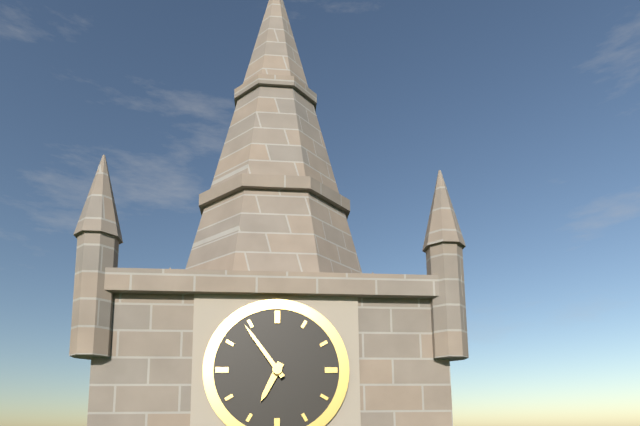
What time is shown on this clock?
6:54
